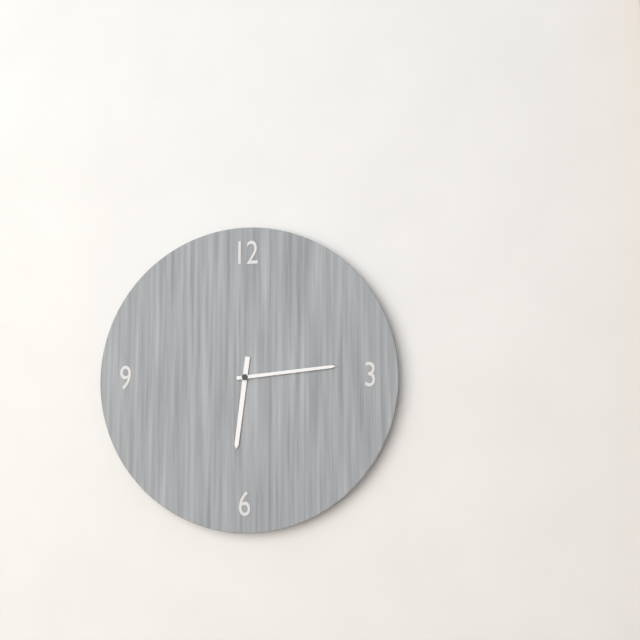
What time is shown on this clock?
6:14
